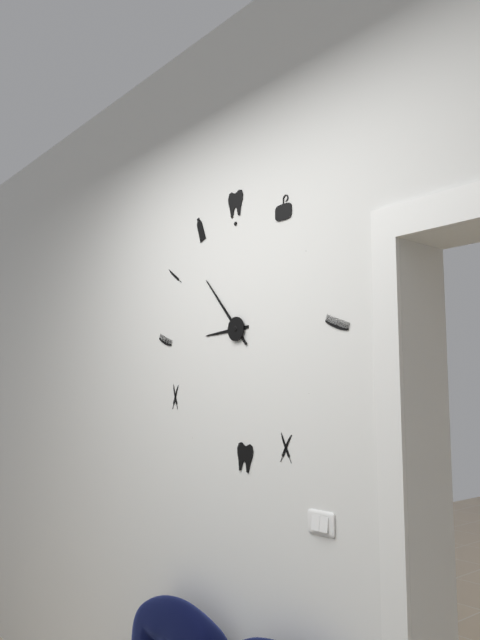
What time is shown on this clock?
8:53
